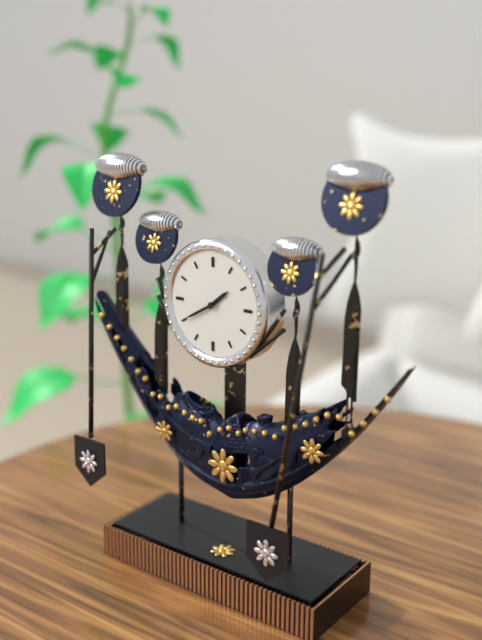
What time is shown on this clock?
1:40
